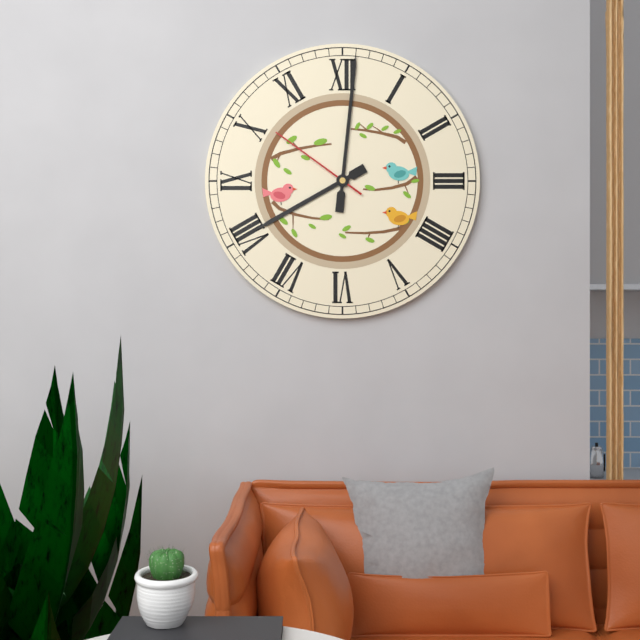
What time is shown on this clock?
8:01:51
